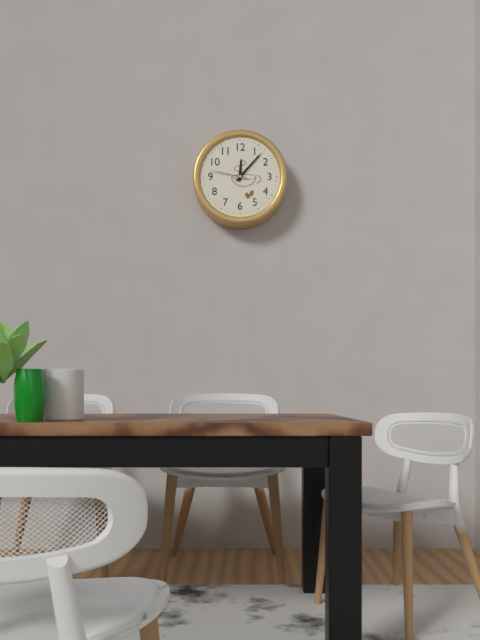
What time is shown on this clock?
12:07
